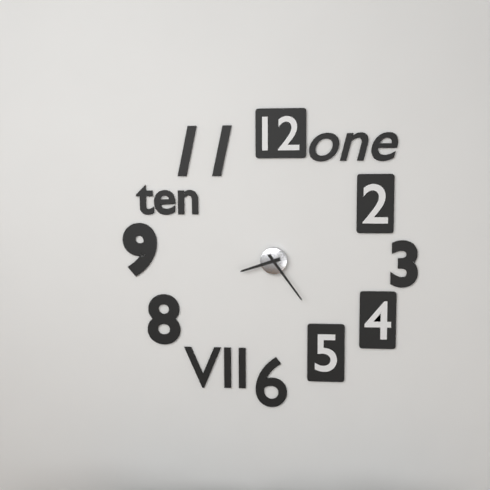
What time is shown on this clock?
8:24
